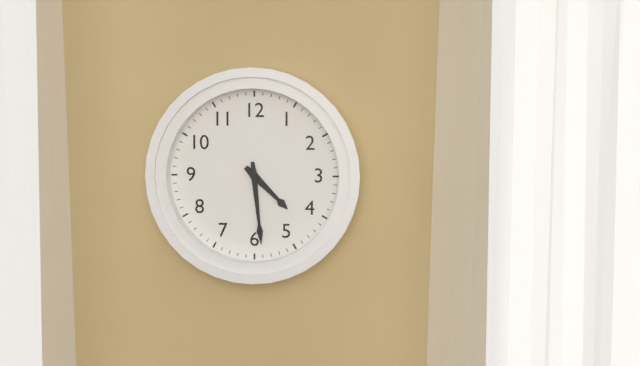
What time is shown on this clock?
4:29
